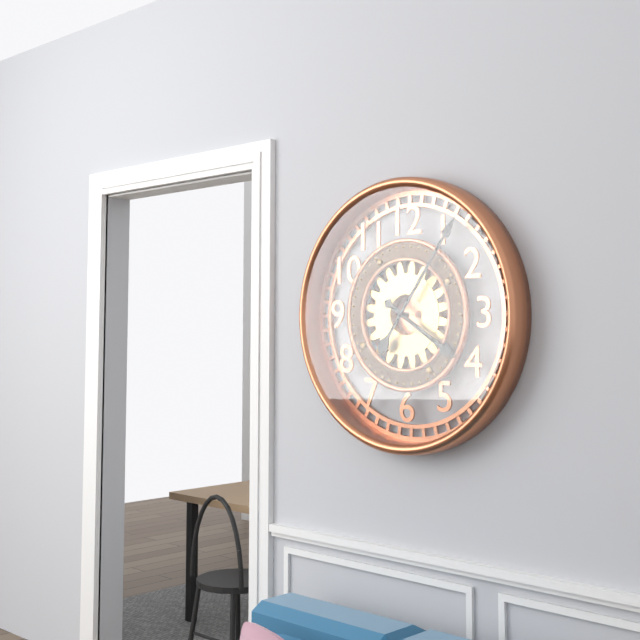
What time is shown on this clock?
4:06
